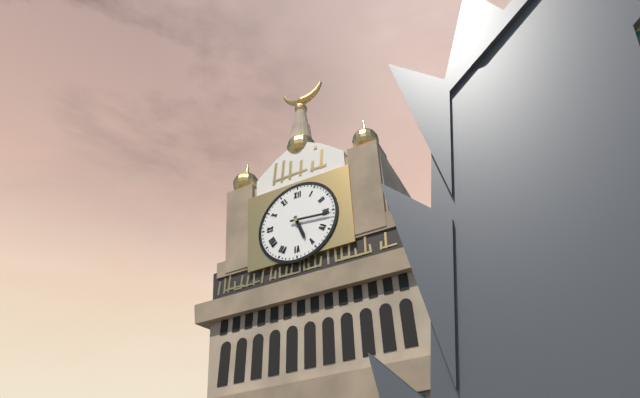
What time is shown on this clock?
5:16
